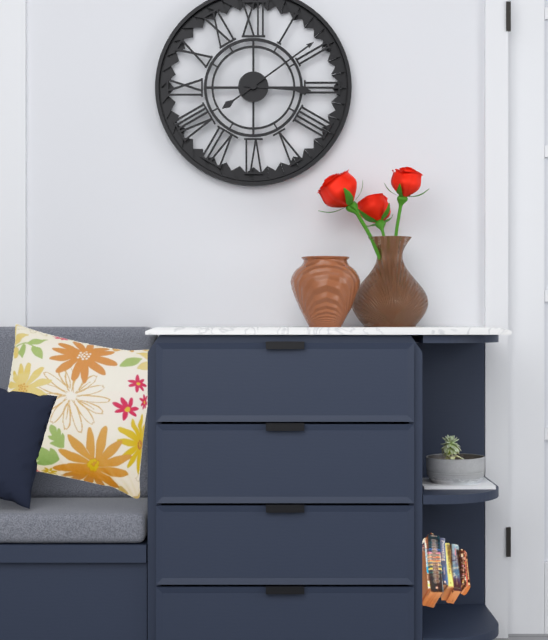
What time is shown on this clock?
3:09
